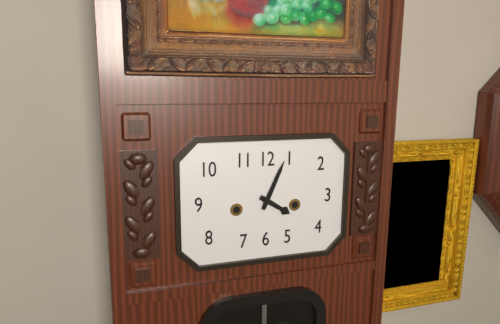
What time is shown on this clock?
4:04
